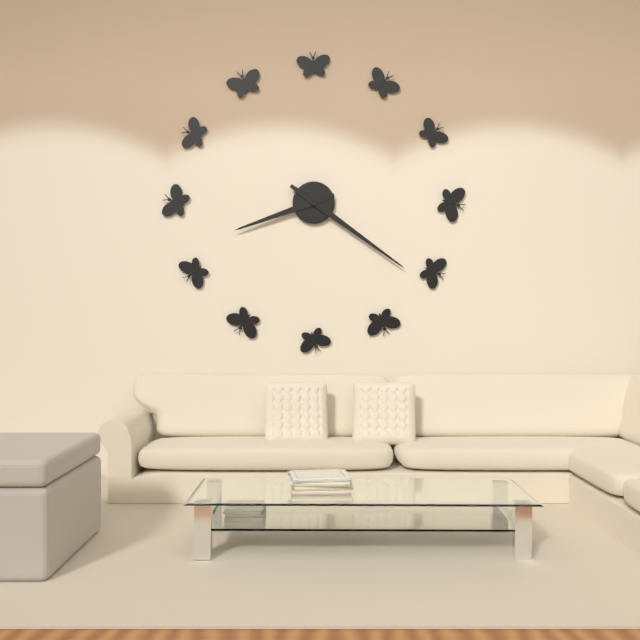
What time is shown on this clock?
8:21
